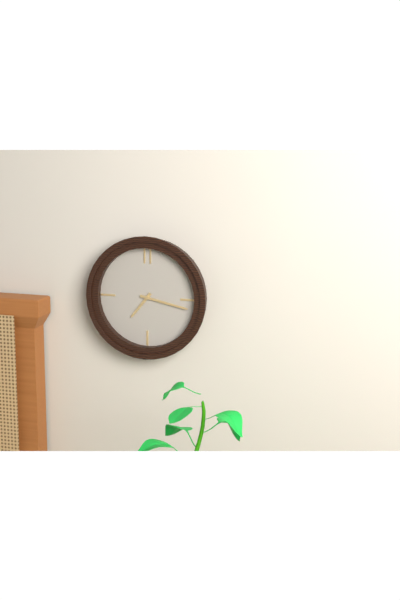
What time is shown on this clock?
7:17
